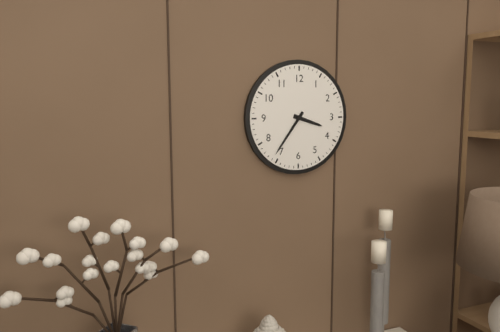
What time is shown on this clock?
3:36
